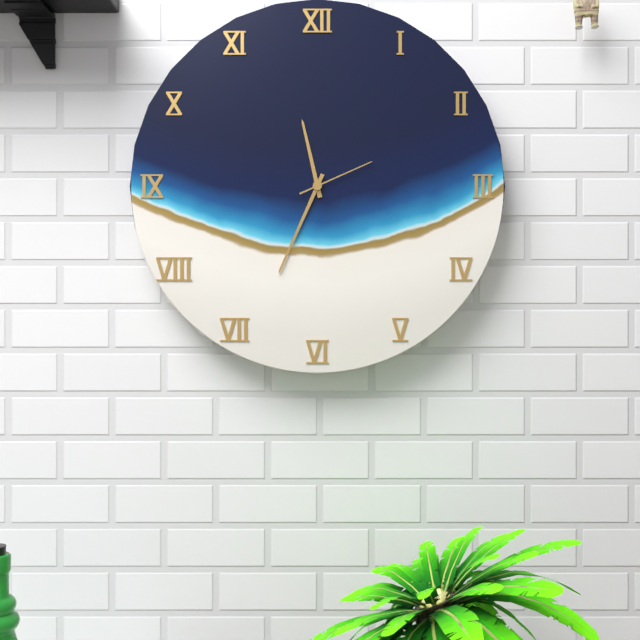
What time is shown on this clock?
11:34:11
